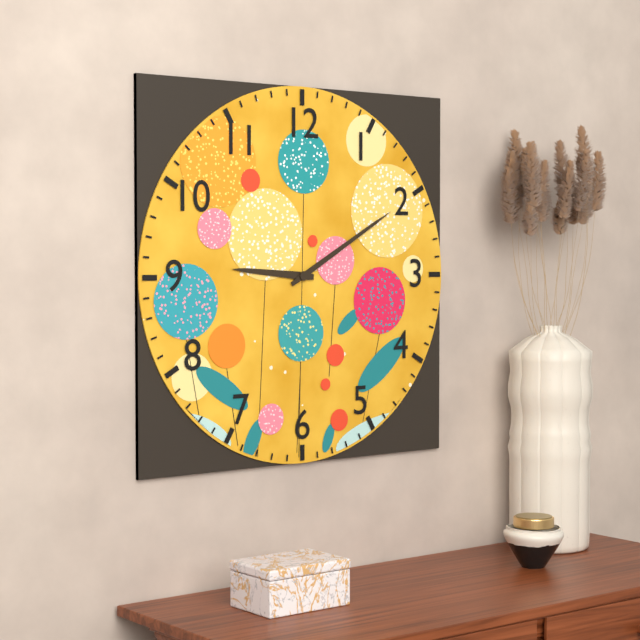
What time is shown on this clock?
9:10
